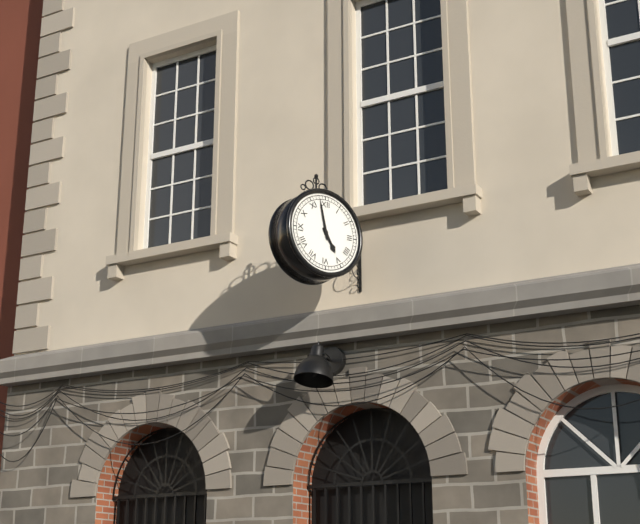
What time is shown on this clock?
4:58
